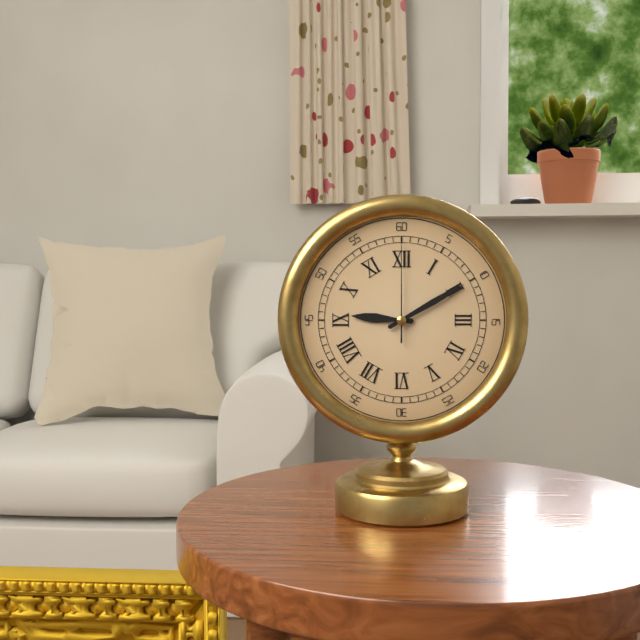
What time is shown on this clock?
9:10:00
